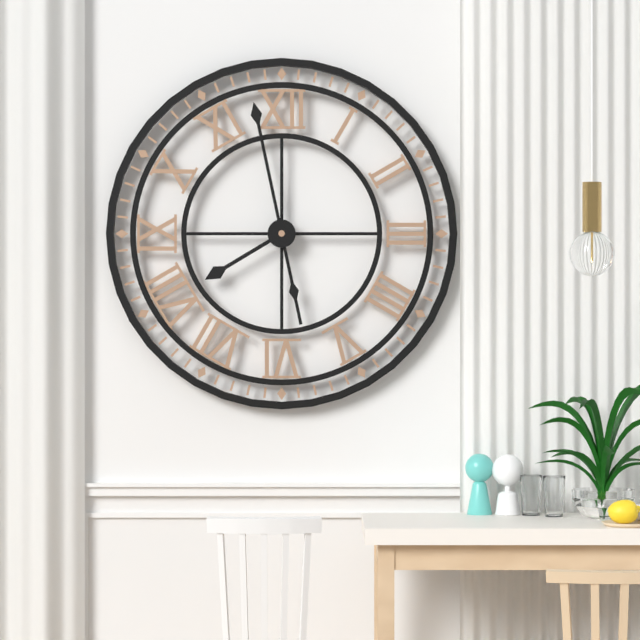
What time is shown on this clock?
7:58
